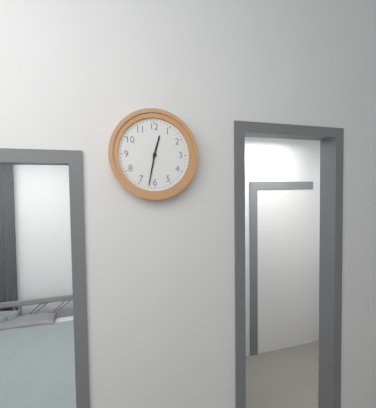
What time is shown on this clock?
12:32
